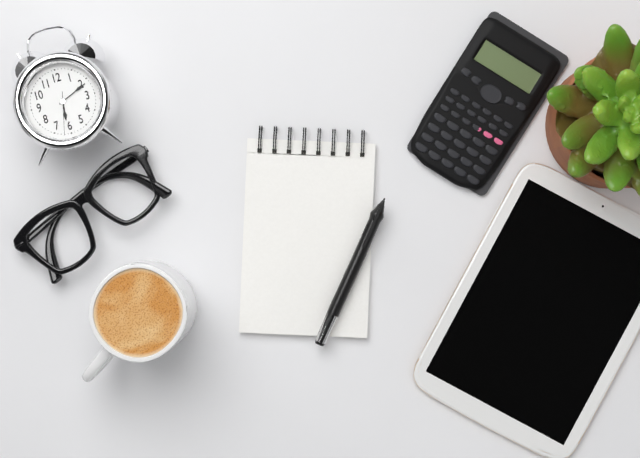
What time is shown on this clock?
6:11
